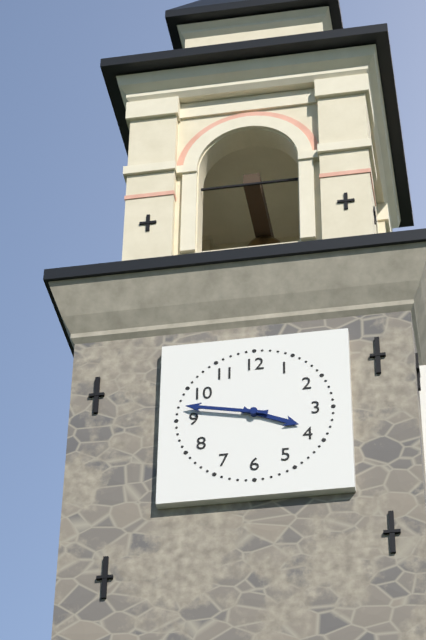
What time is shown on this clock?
3:47
